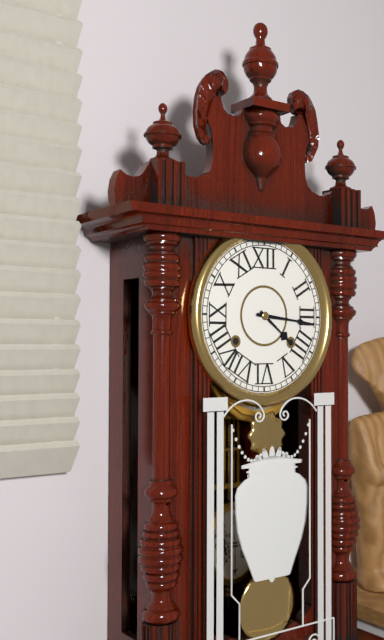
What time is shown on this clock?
4:16
